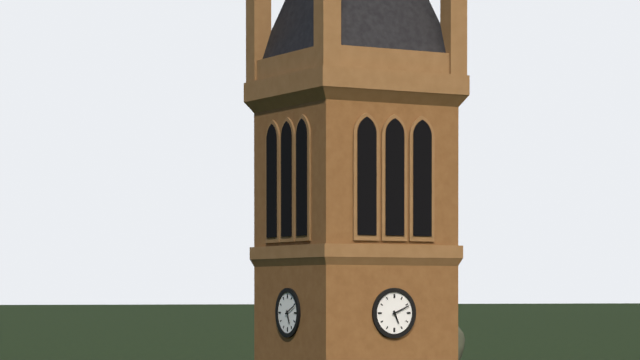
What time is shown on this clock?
5:11
